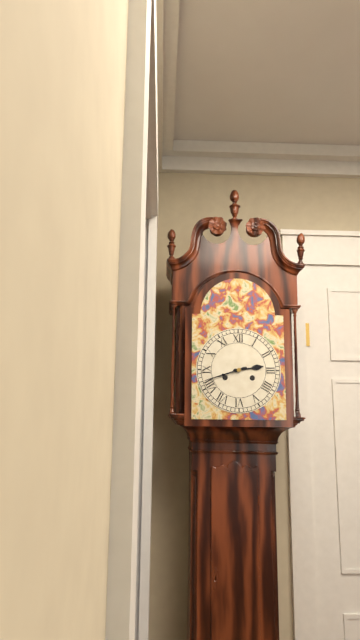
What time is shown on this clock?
2:42
